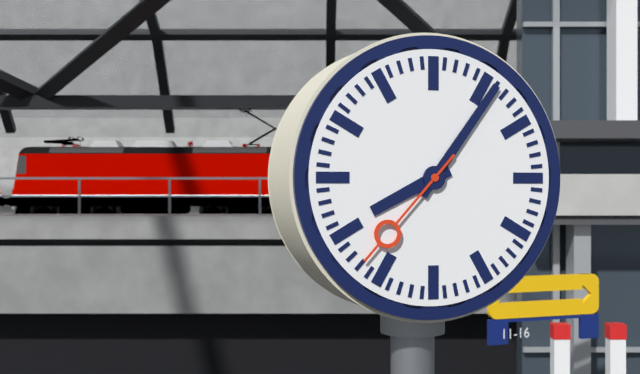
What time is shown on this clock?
8:06:37
